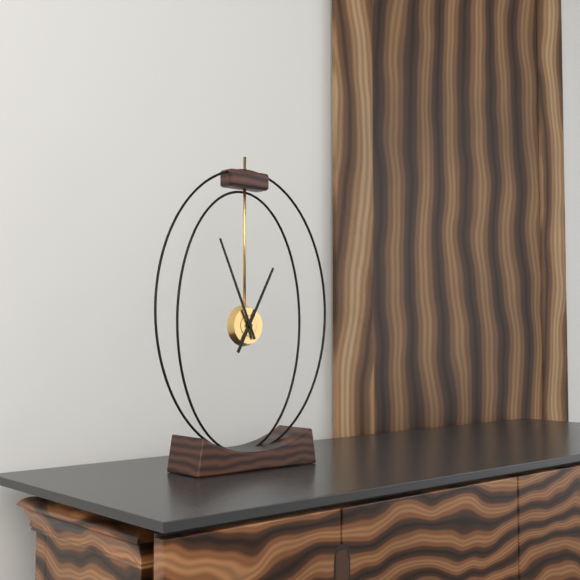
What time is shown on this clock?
12:56
